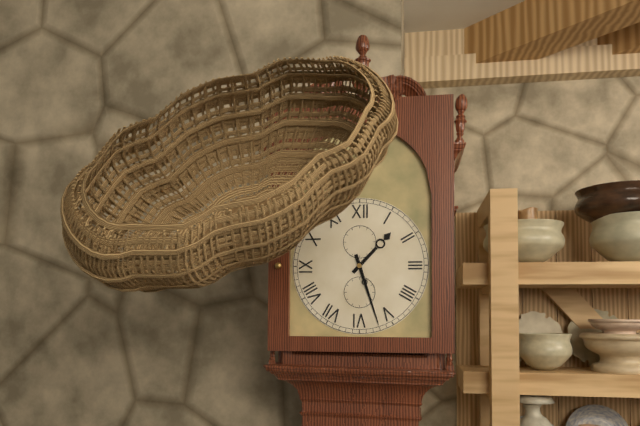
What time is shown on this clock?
1:27
